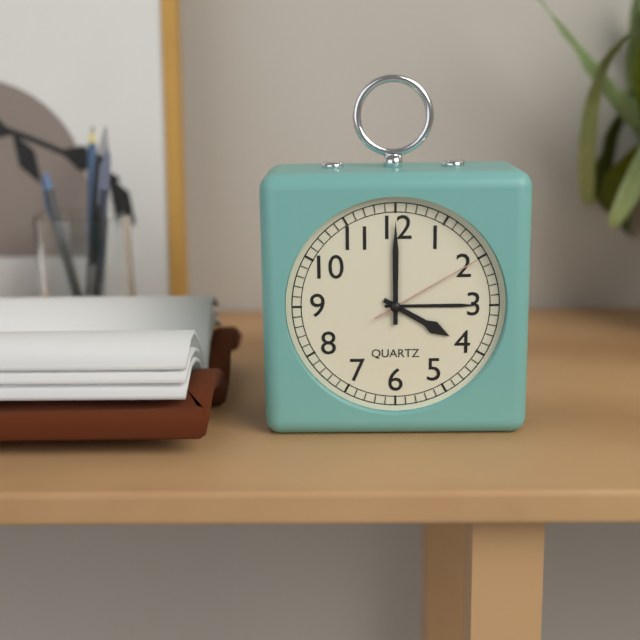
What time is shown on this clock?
4:00:10
